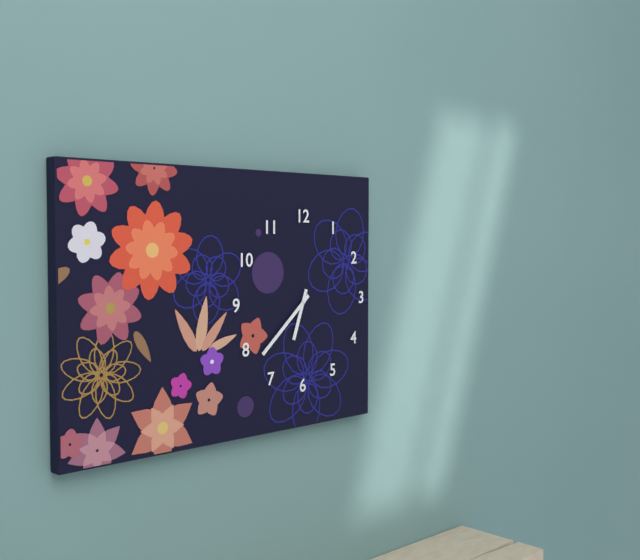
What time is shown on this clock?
6:38
